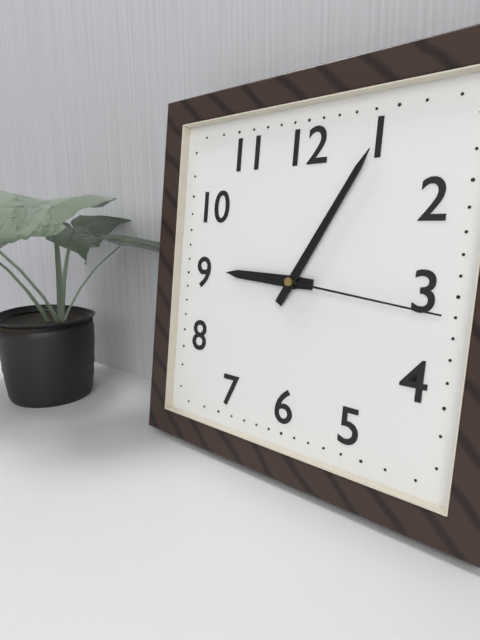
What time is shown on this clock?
9:05:16
